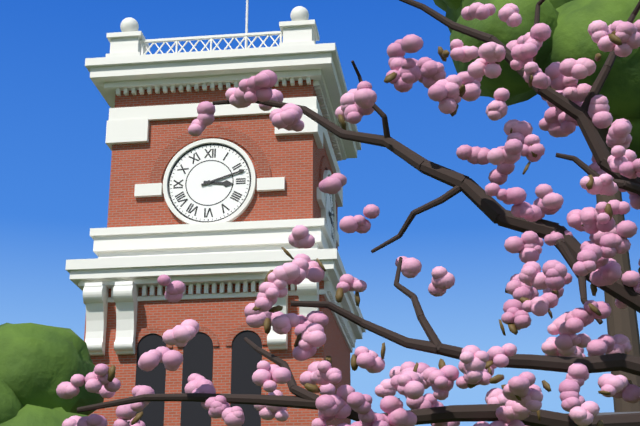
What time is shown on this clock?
3:12
